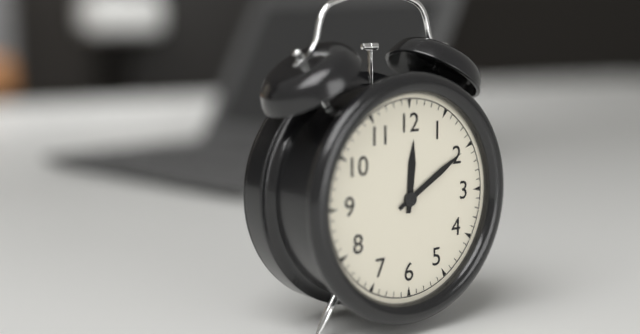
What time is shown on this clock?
12:10
